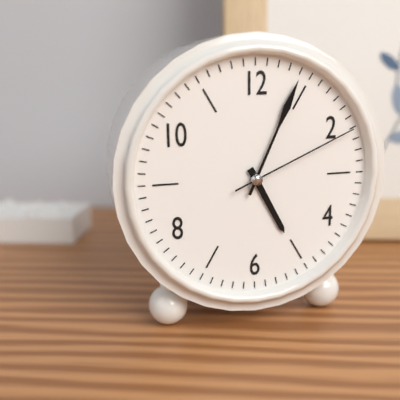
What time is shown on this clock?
5:04:11
